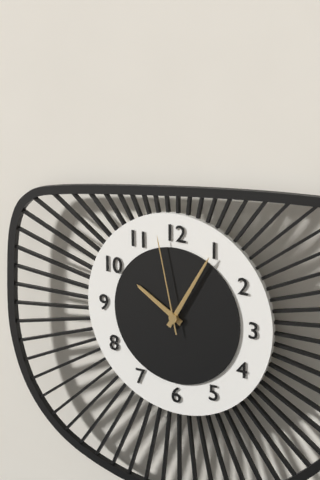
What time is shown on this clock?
10:05:58
